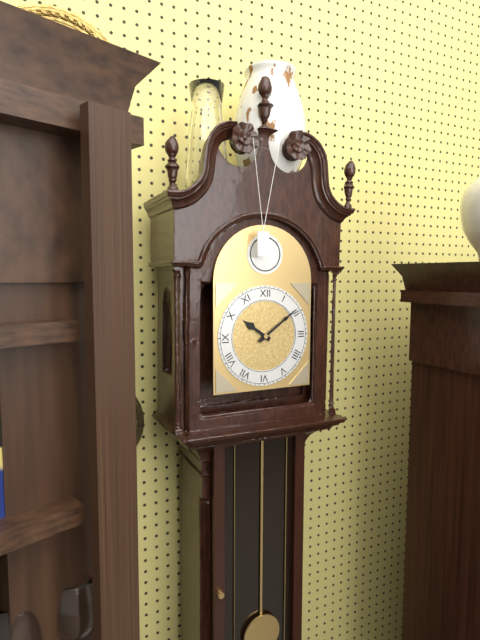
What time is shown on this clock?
10:09
